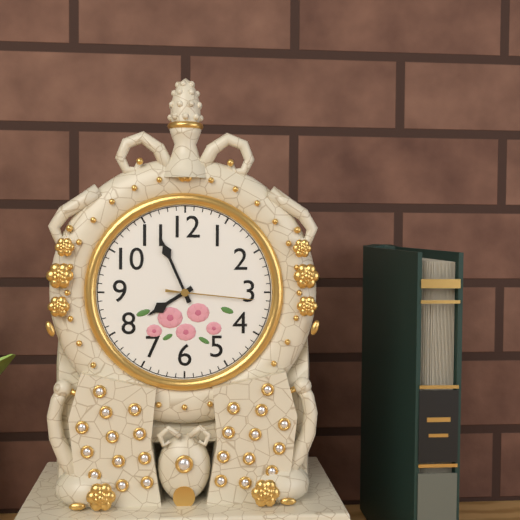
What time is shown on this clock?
7:56:16
